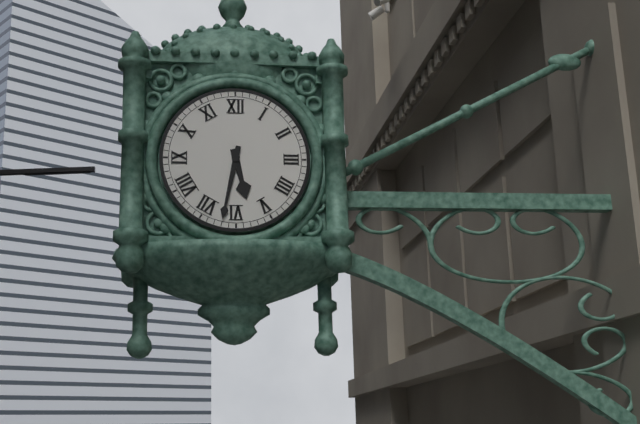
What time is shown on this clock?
5:32
